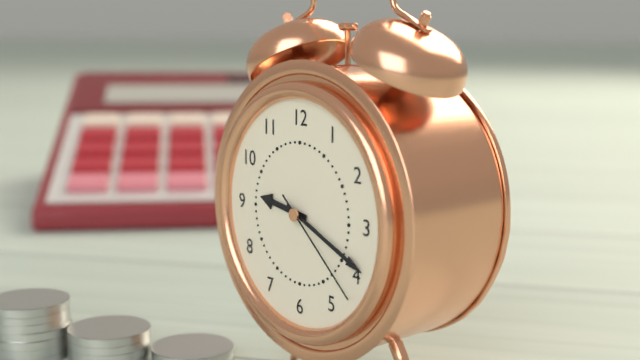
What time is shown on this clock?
9:19:22
